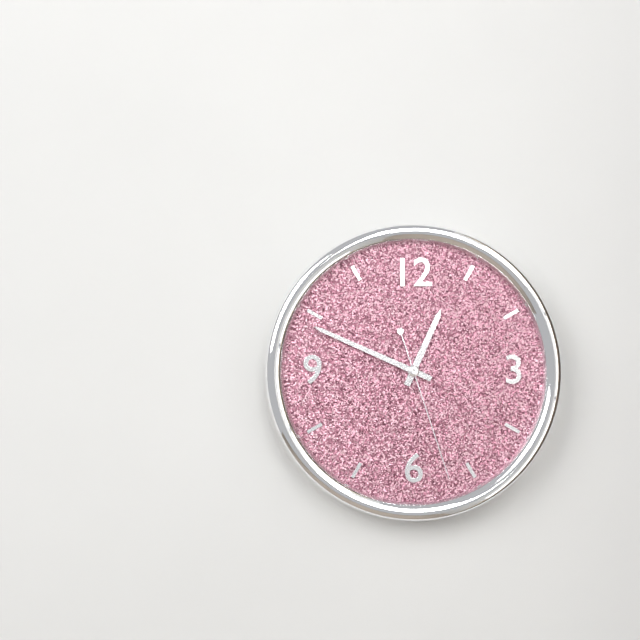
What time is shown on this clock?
12:49:27
